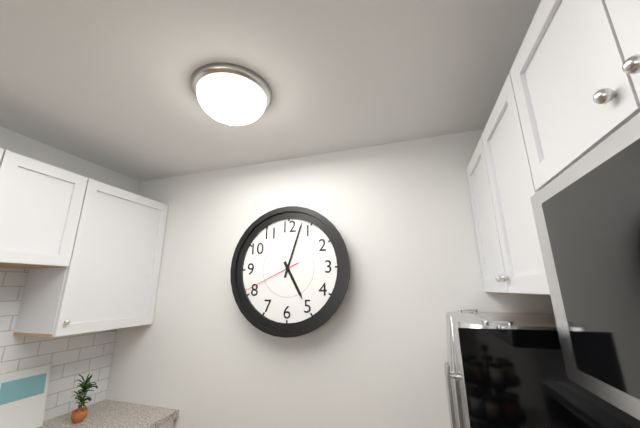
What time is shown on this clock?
5:03:41
